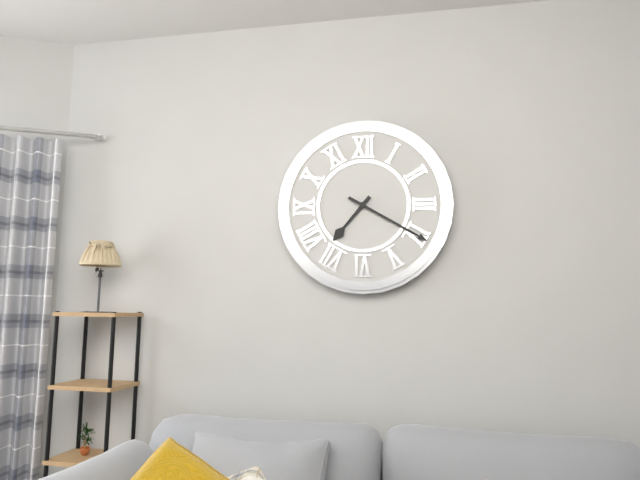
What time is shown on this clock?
7:20
